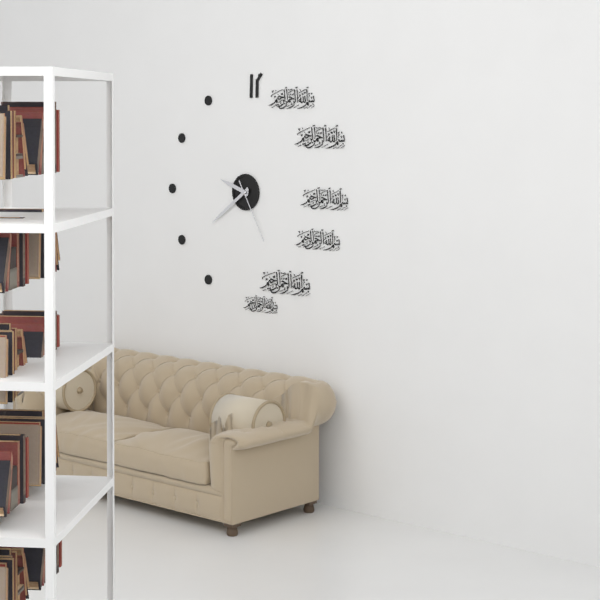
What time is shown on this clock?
9:39:25
